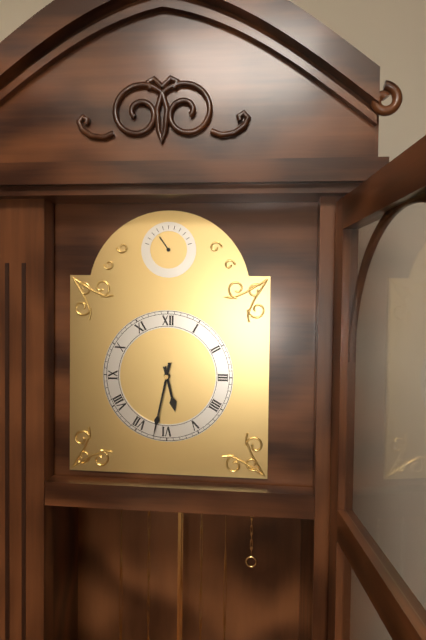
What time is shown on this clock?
5:32
